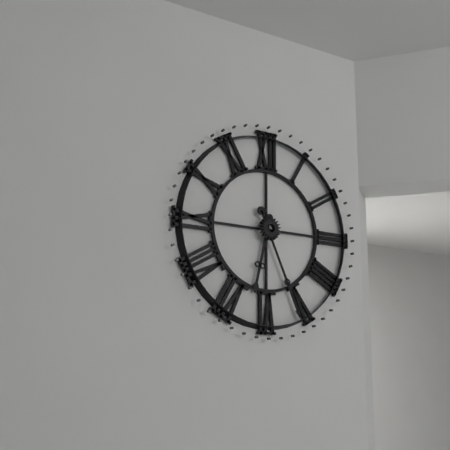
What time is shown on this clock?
6:26
